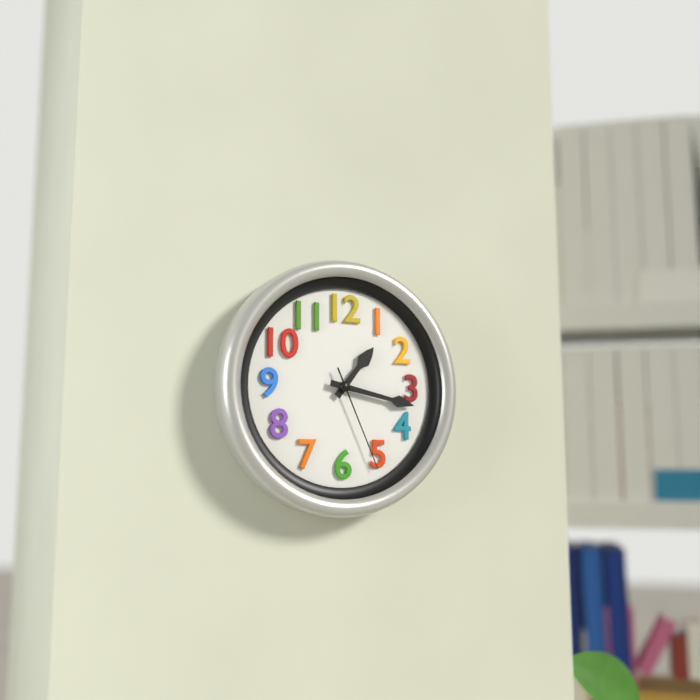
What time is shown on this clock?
1:17:26
